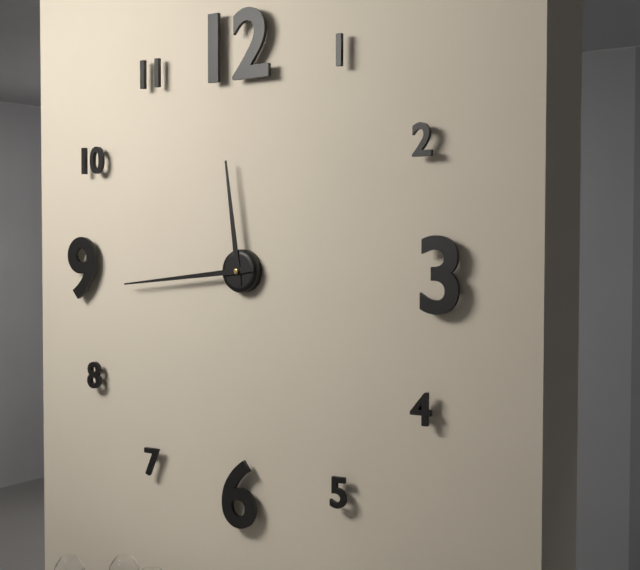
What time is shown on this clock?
11:44
